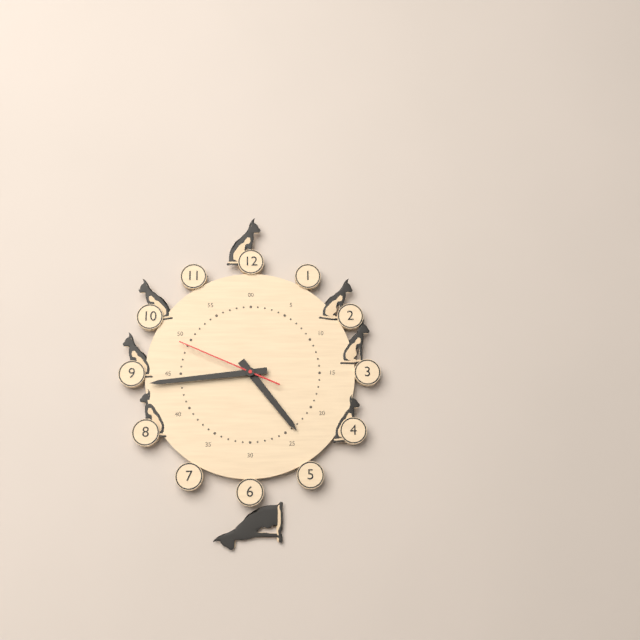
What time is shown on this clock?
4:44:49
